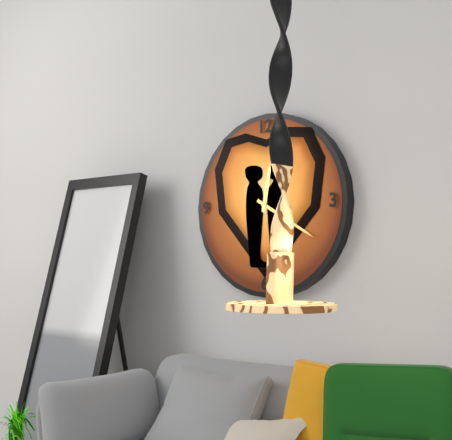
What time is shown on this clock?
12:20
